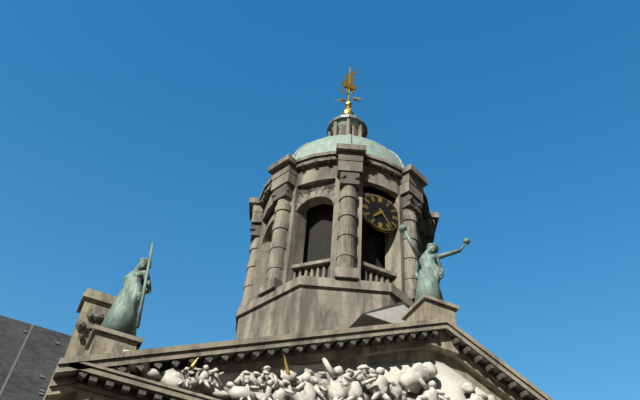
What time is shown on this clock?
7:24
